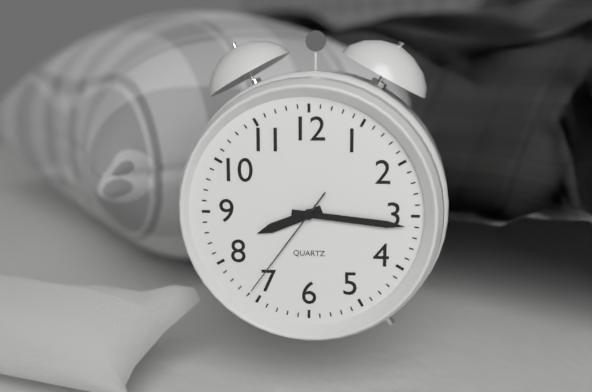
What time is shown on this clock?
8:16:36
